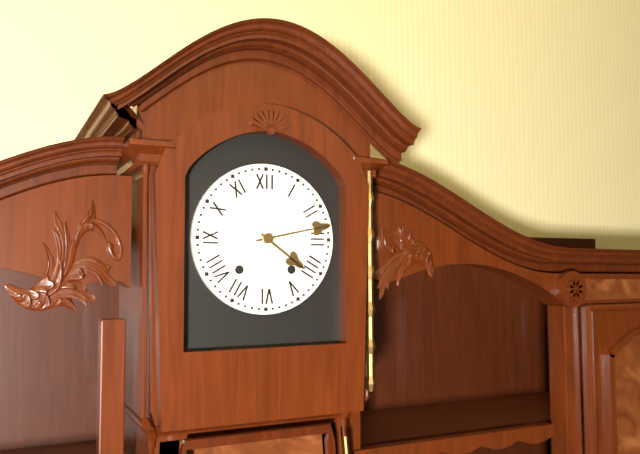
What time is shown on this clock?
4:13
